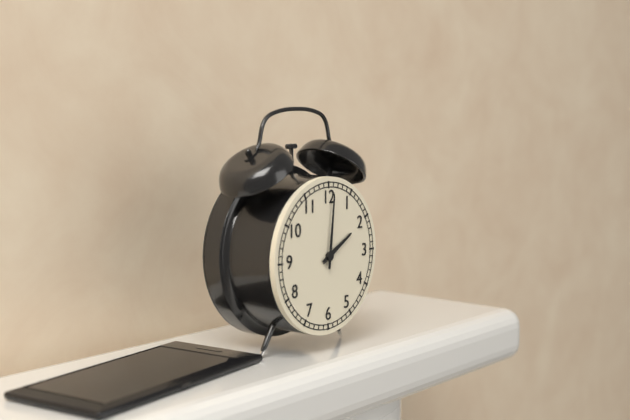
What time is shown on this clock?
2:01
